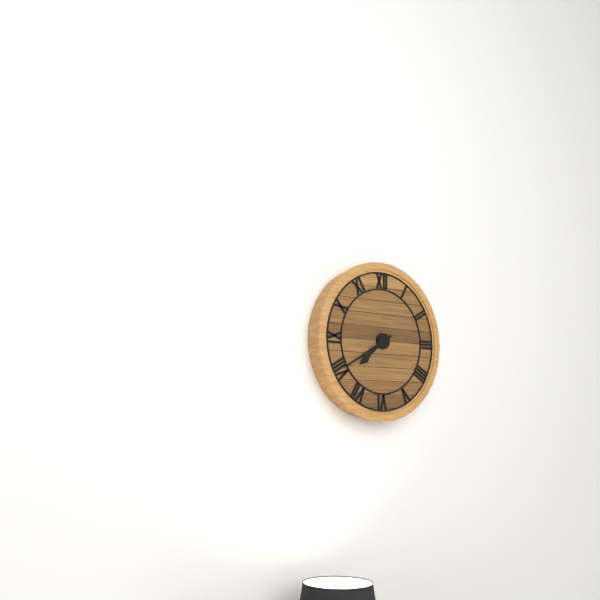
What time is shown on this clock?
7:40
